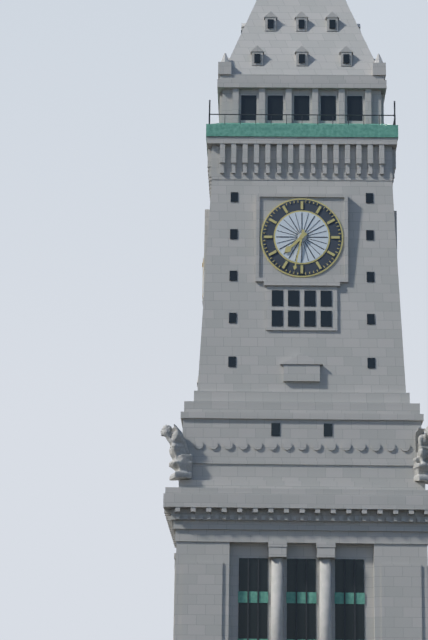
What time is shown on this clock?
7:32
